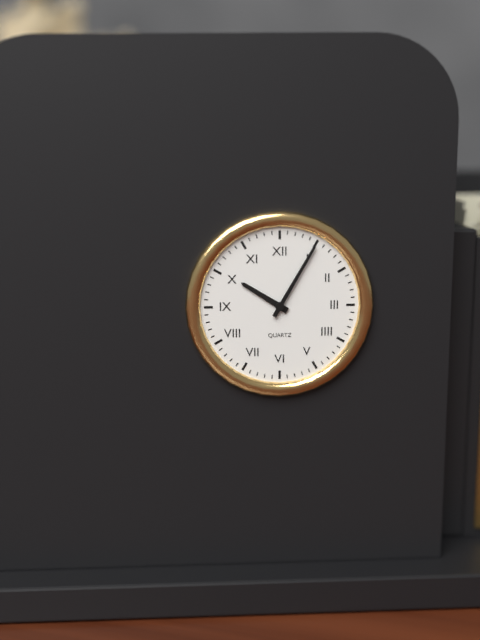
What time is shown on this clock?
10:05
